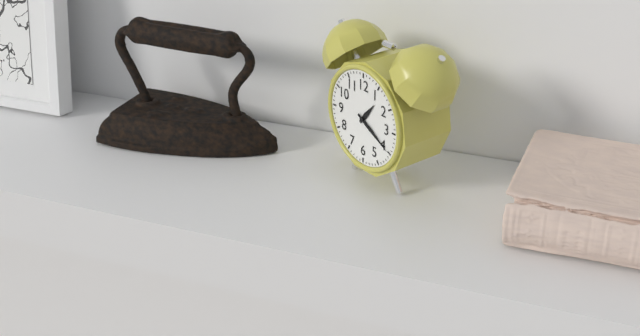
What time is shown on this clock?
1:20
